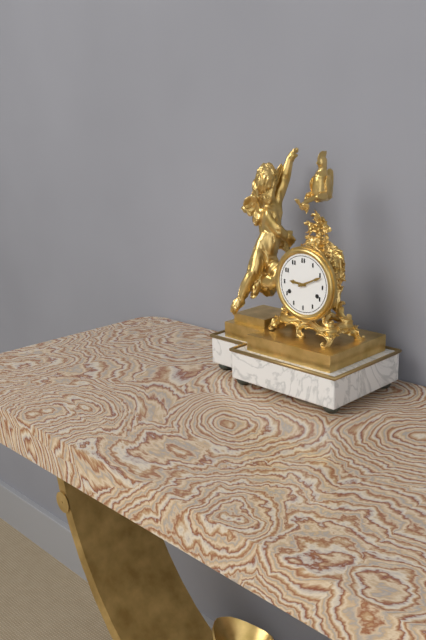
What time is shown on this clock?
9:11
